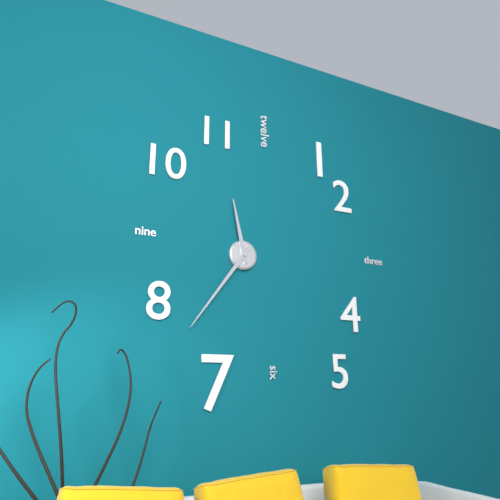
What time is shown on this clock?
11:36
